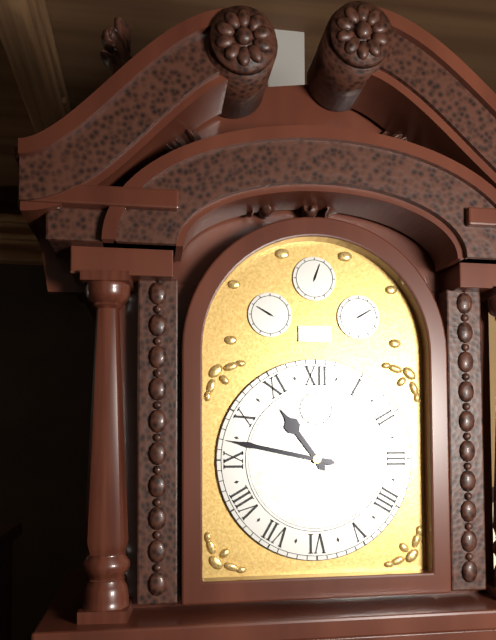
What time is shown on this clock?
10:47
